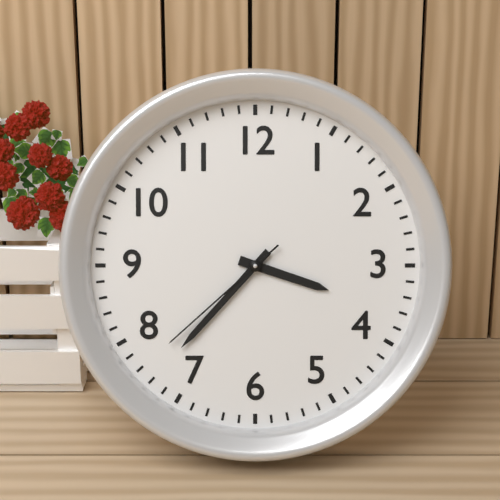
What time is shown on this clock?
3:37:38
